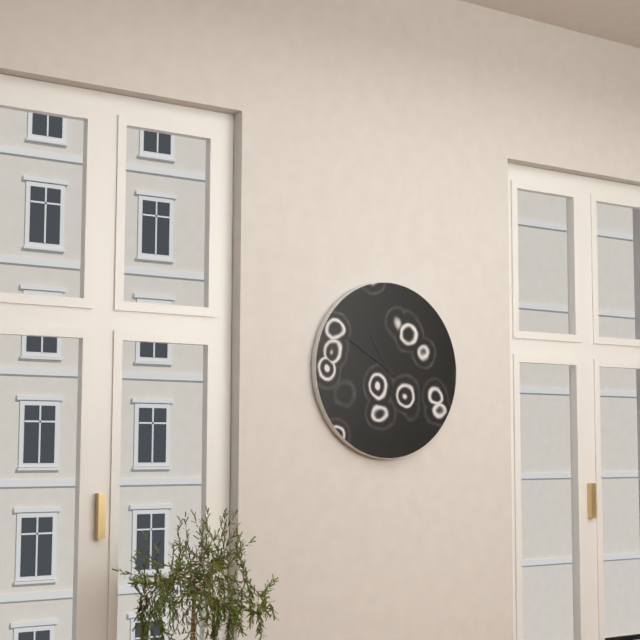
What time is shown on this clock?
10:50
